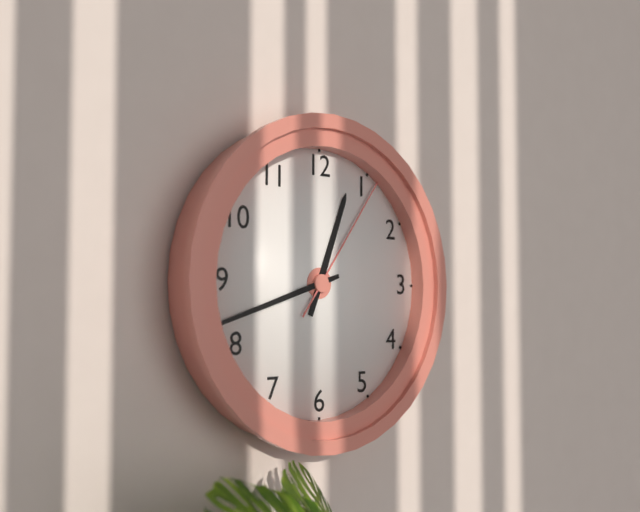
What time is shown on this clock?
12:42:06
